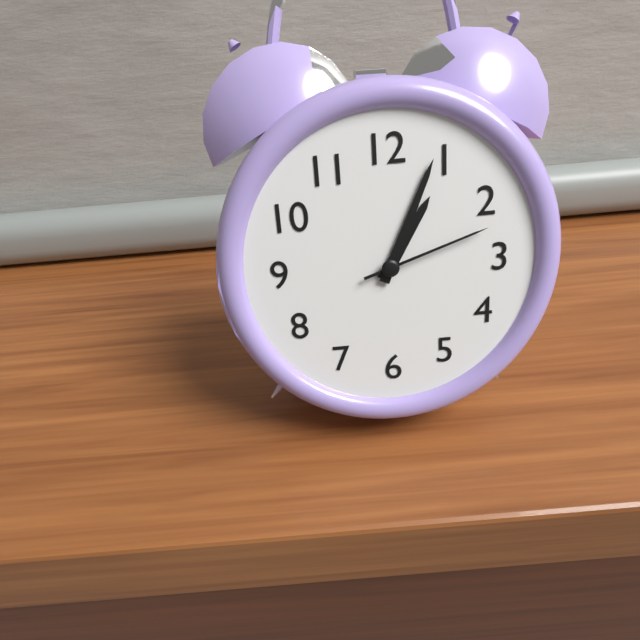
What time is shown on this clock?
1:04:12
